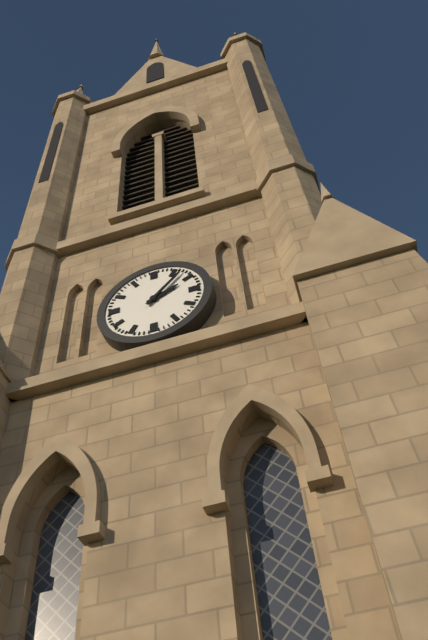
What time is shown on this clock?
2:07
